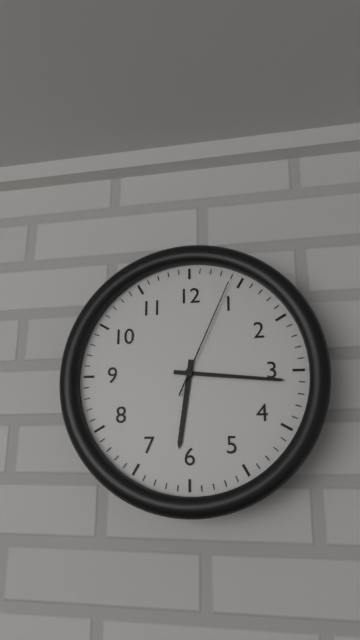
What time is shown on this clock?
6:16:04
